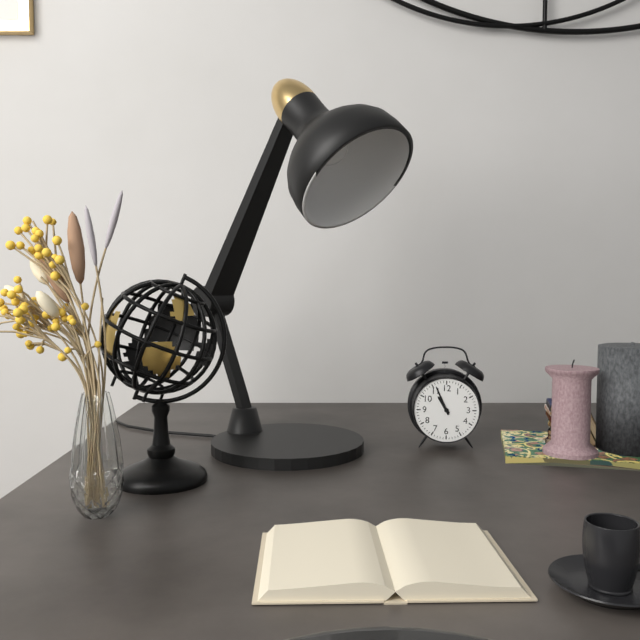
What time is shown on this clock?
10:56
